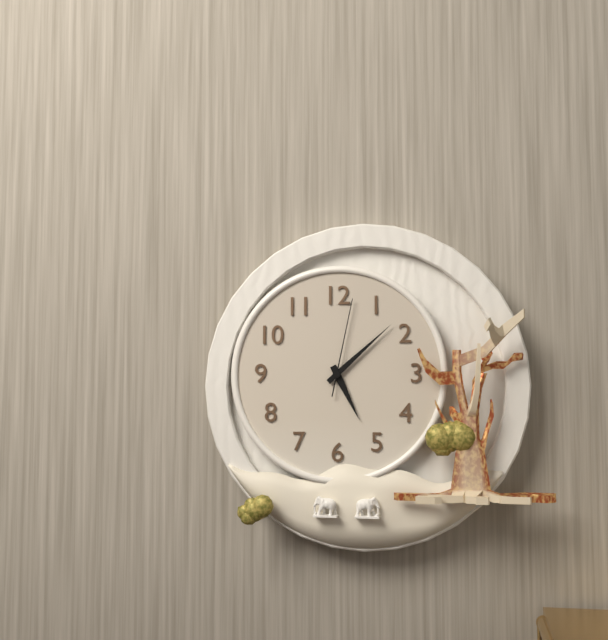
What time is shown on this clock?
5:08:02
